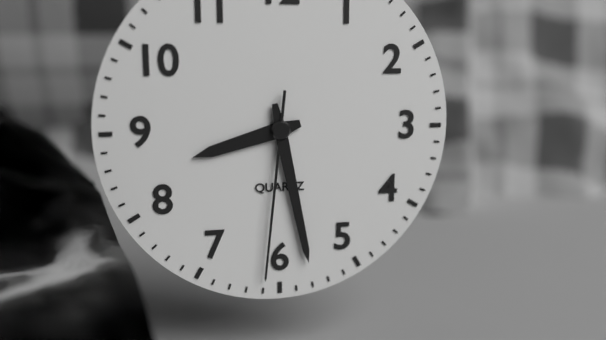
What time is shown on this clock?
8:28:31
